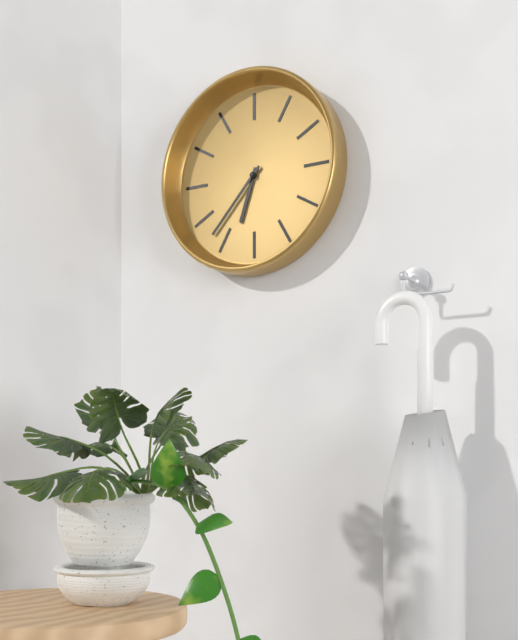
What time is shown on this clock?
6:37
